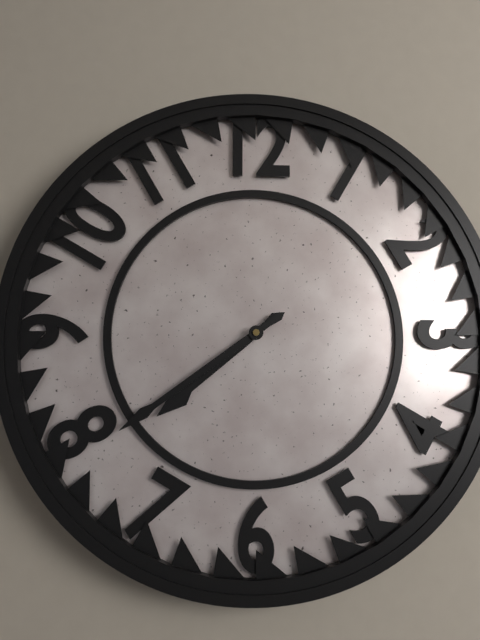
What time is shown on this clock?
7:39
